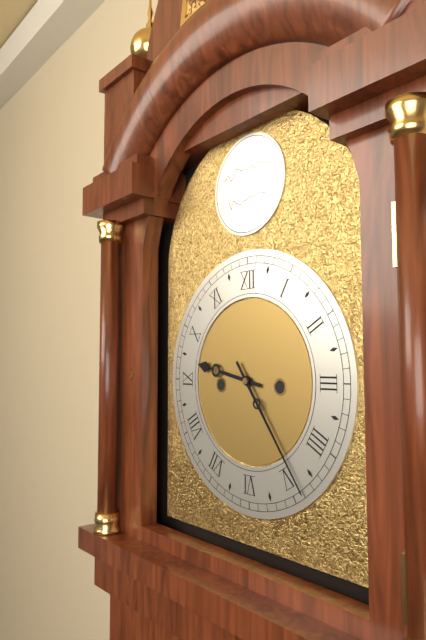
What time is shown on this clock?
9:24
